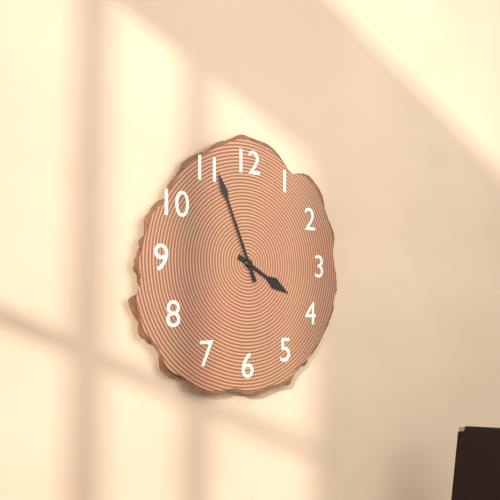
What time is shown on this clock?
3:56
